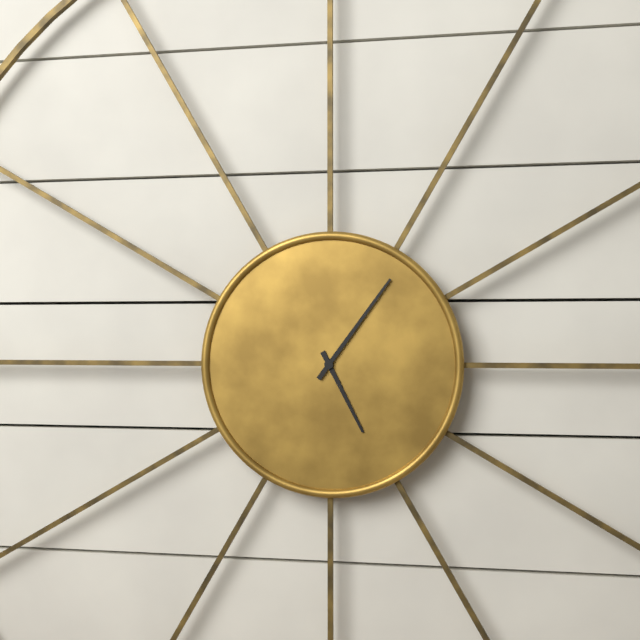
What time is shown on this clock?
5:06
